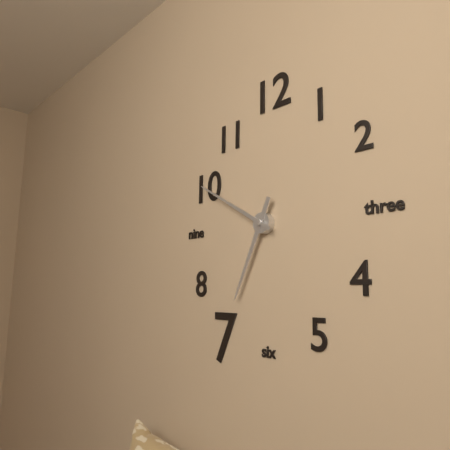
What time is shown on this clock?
6:50
